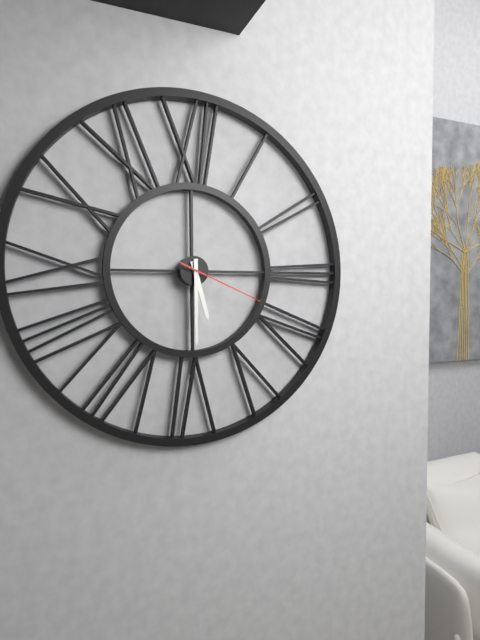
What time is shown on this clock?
5:30:19
